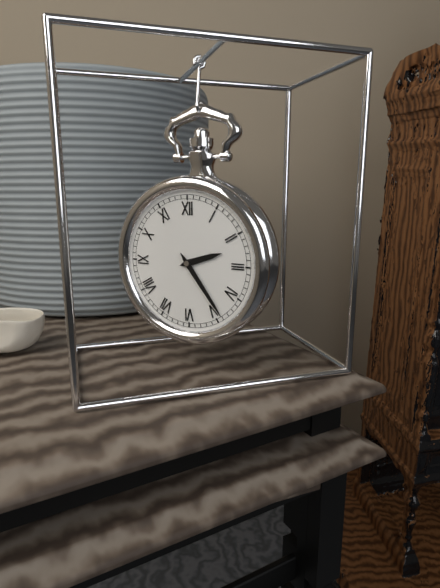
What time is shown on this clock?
2:24
